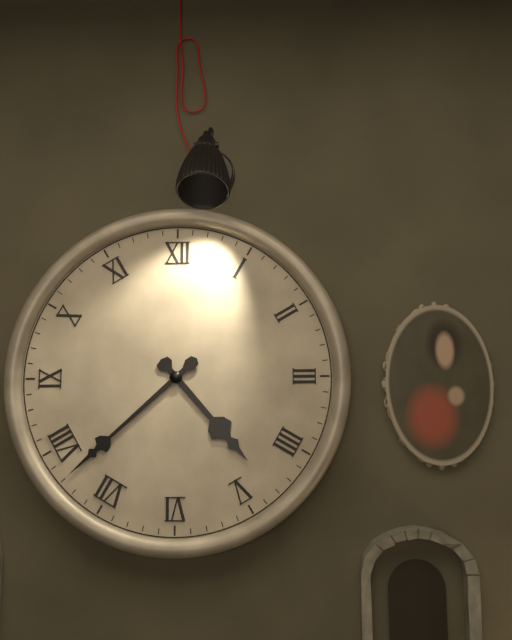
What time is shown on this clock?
4:38
